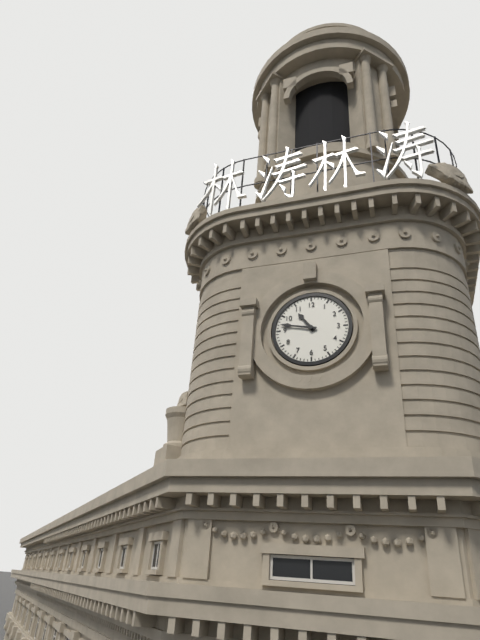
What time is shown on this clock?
10:47
